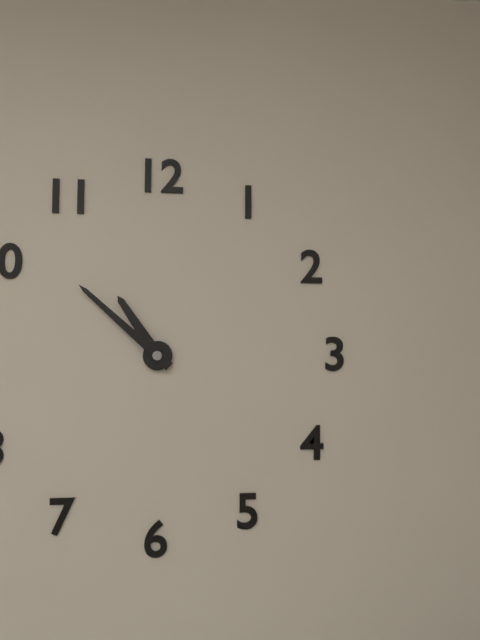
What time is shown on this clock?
10:52
